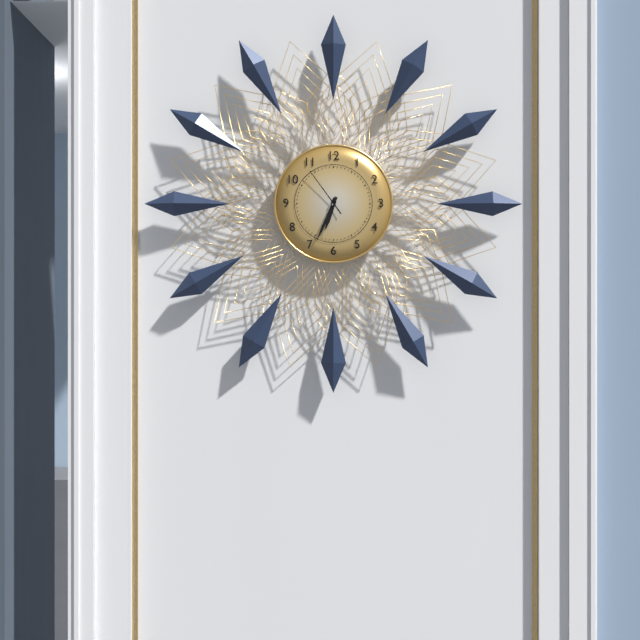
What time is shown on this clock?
6:34:54
